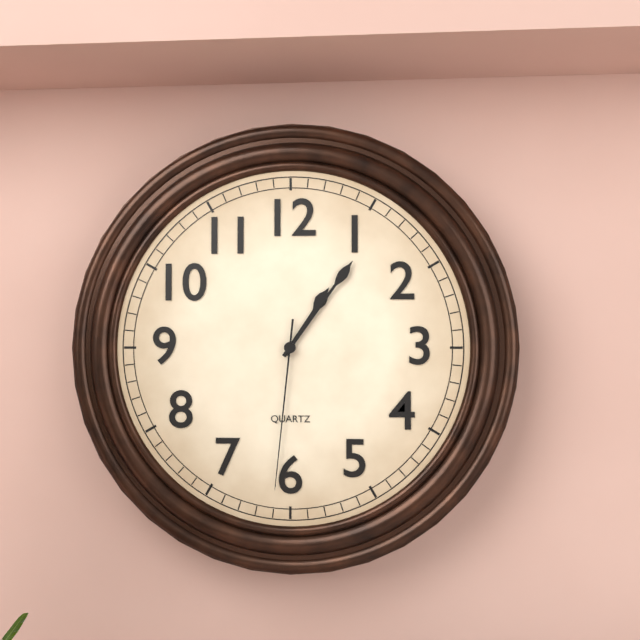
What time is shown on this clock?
1:06:31
